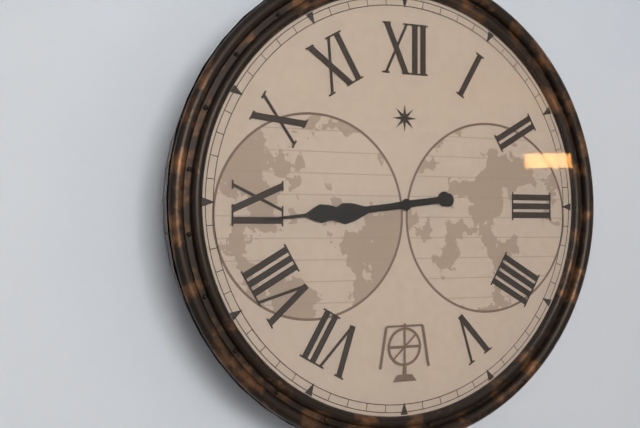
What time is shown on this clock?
8:44
